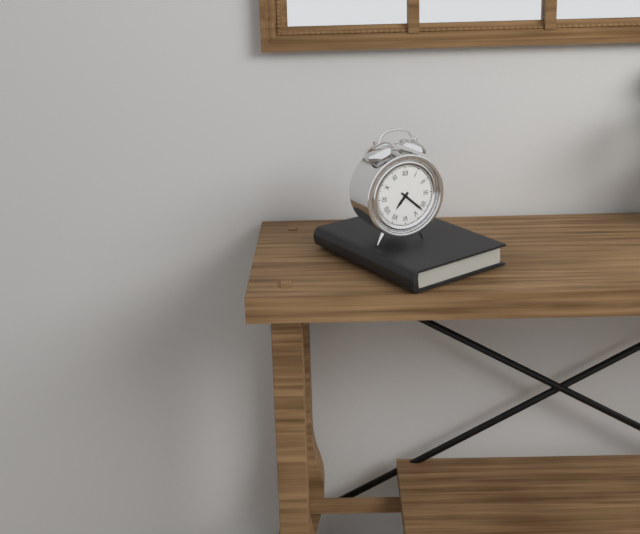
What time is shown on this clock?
7:22
